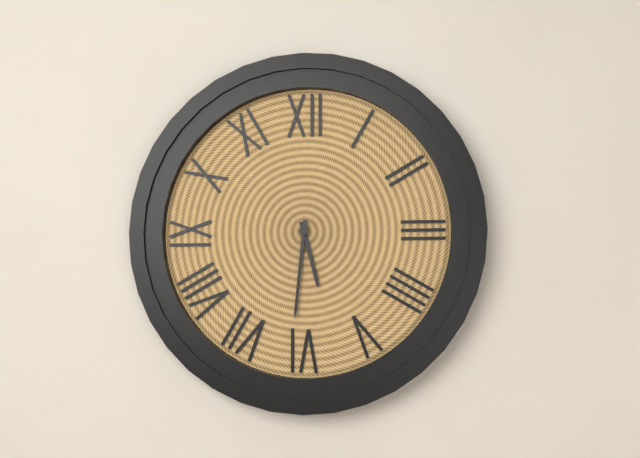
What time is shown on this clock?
5:31
